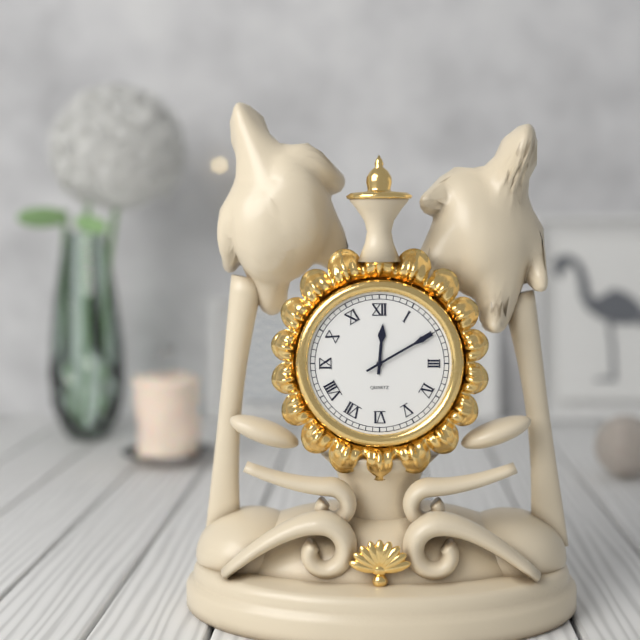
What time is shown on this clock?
12:10
